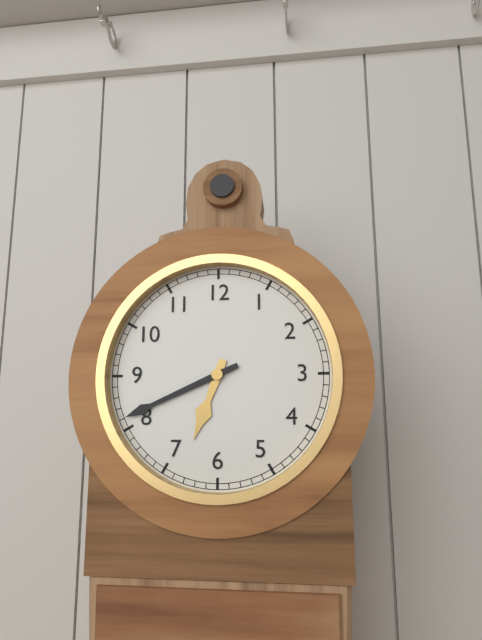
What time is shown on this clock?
6:41
